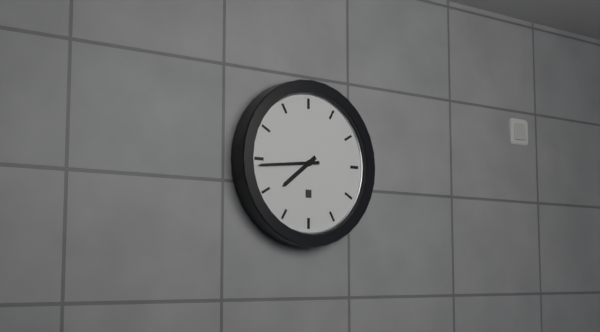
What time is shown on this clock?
7:44
